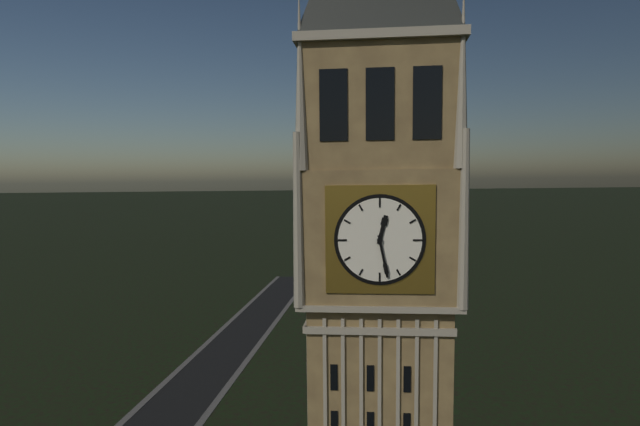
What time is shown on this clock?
12:28
